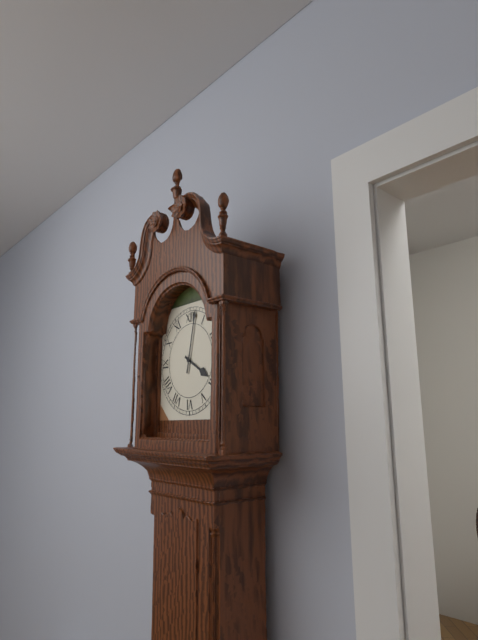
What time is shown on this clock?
4:02
